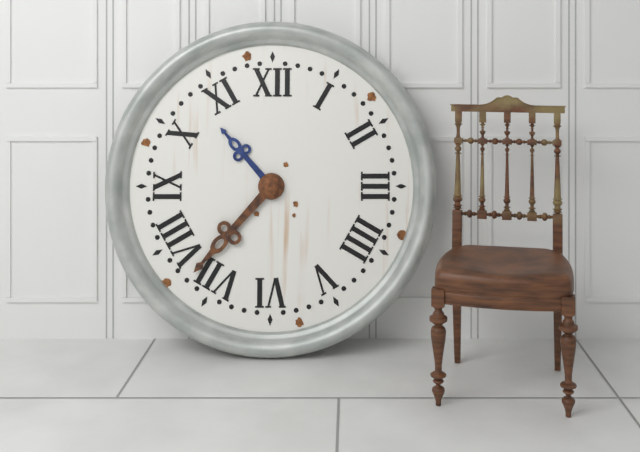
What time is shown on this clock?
10:37
